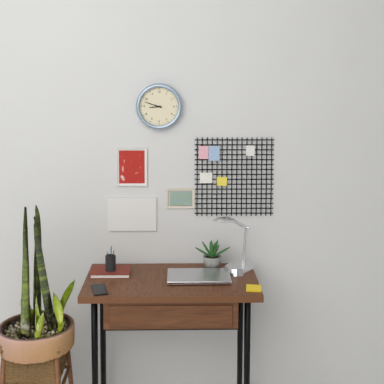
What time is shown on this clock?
8:48
